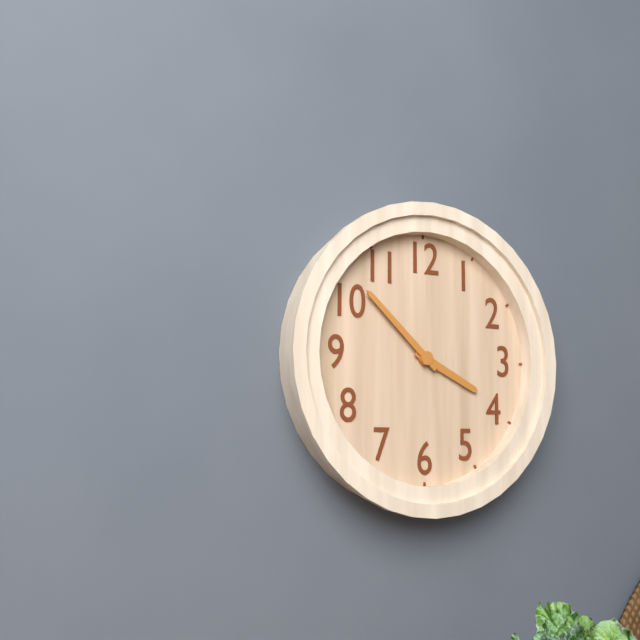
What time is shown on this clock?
3:52
